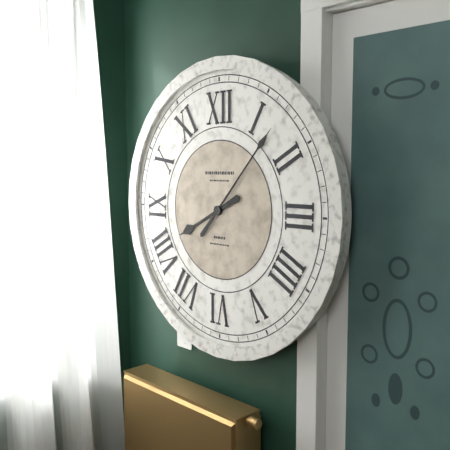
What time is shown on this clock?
8:07
